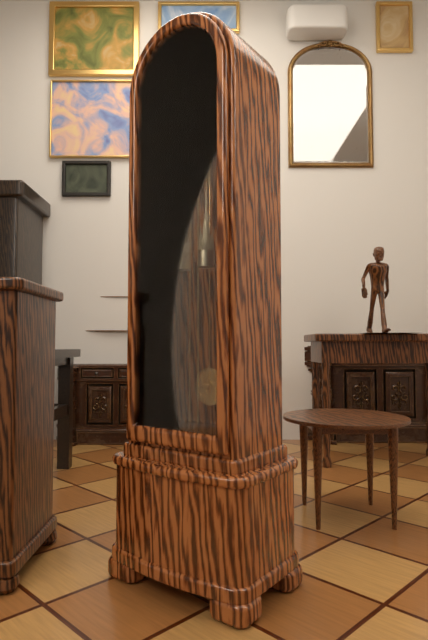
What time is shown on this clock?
6:01
